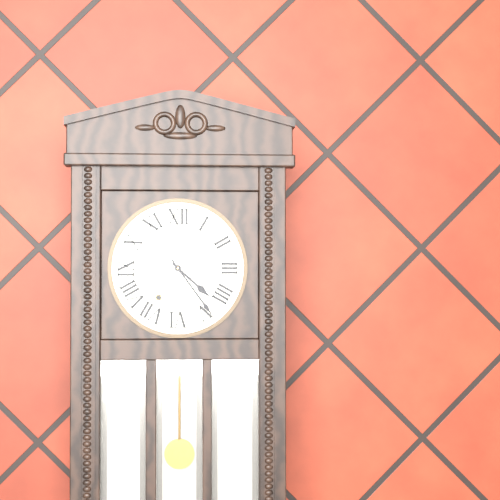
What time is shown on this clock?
4:24
